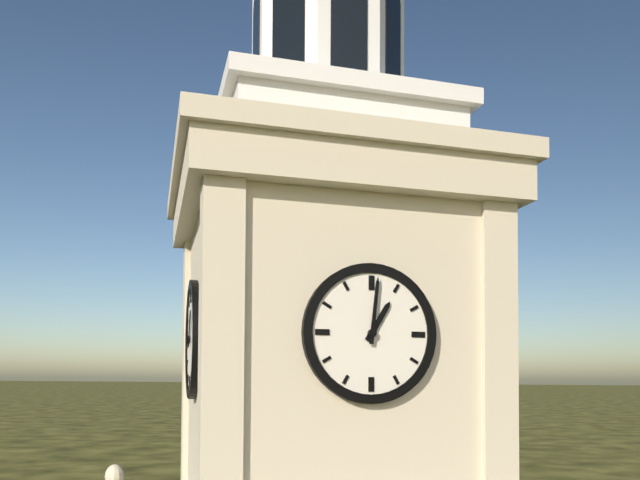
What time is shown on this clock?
1:01
